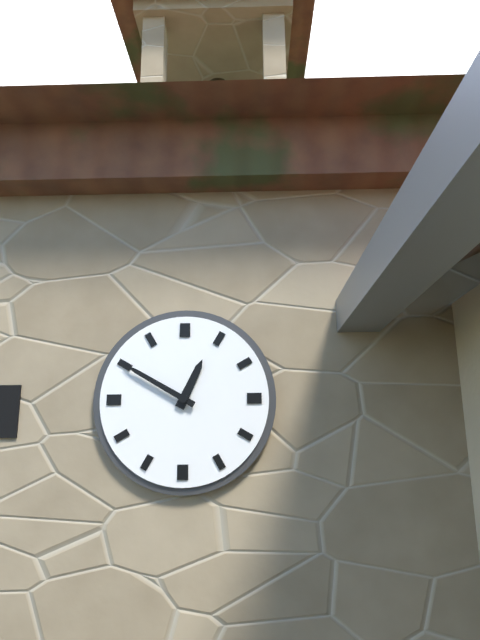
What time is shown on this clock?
12:50
